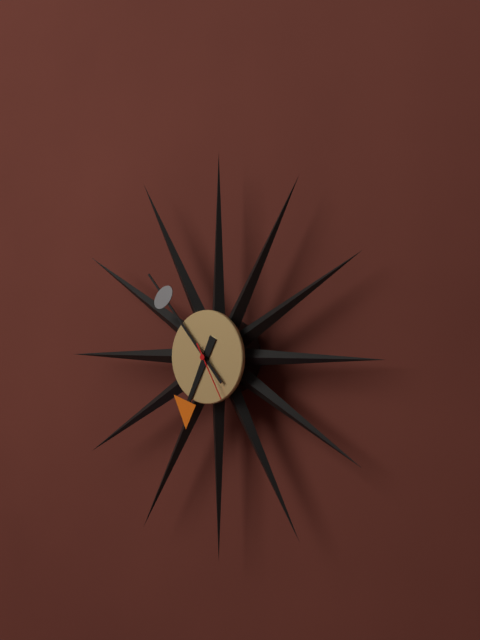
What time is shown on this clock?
6:53:25
